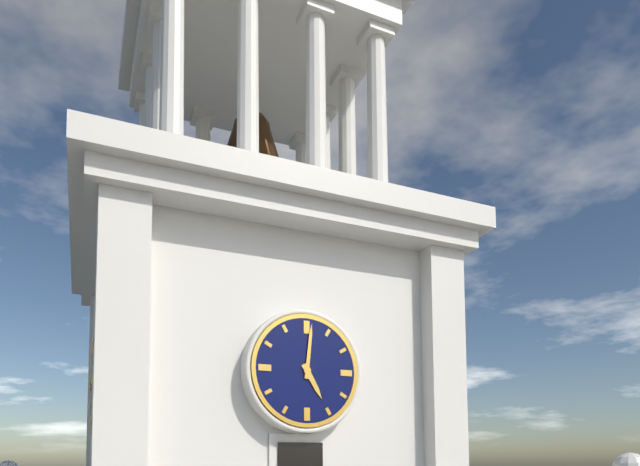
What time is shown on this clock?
5:01
